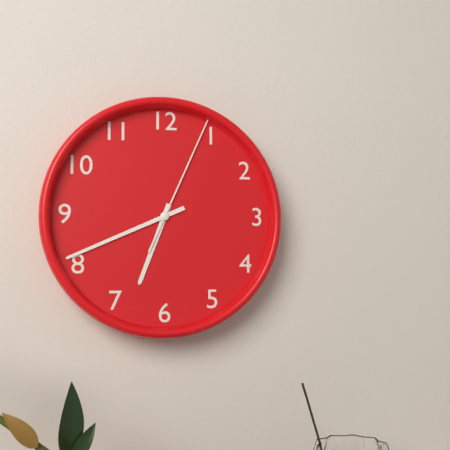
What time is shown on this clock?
6:41:04
